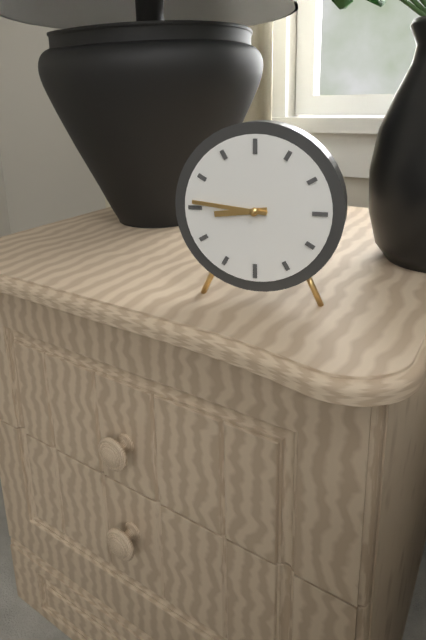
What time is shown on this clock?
8:46
